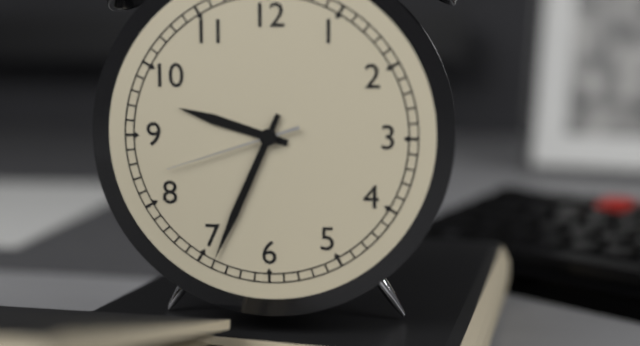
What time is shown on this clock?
9:34:42
